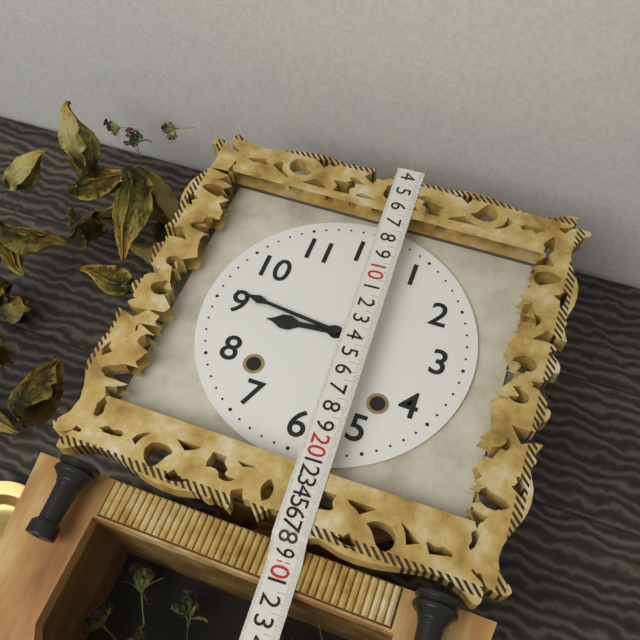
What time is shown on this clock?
8:46
